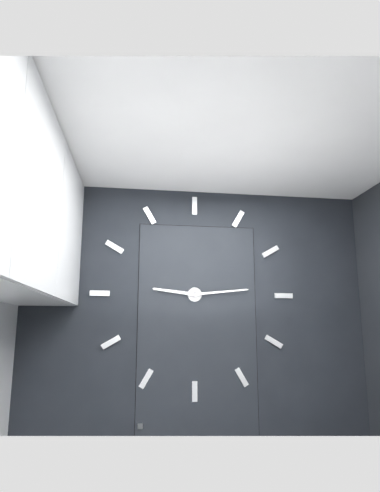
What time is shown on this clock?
9:14
